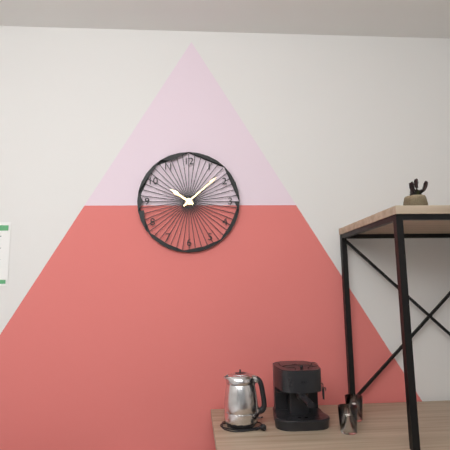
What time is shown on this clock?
10:08
